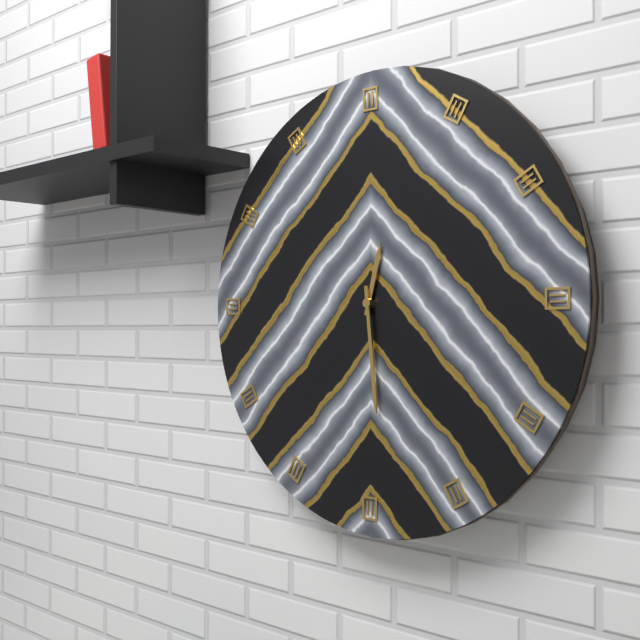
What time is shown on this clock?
12:29
